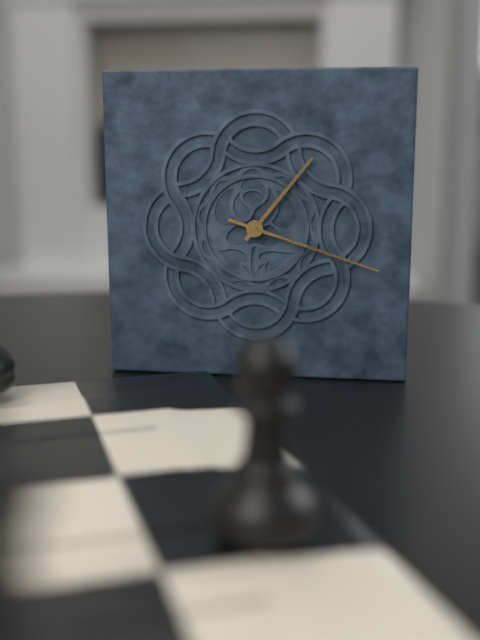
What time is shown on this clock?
1:18
